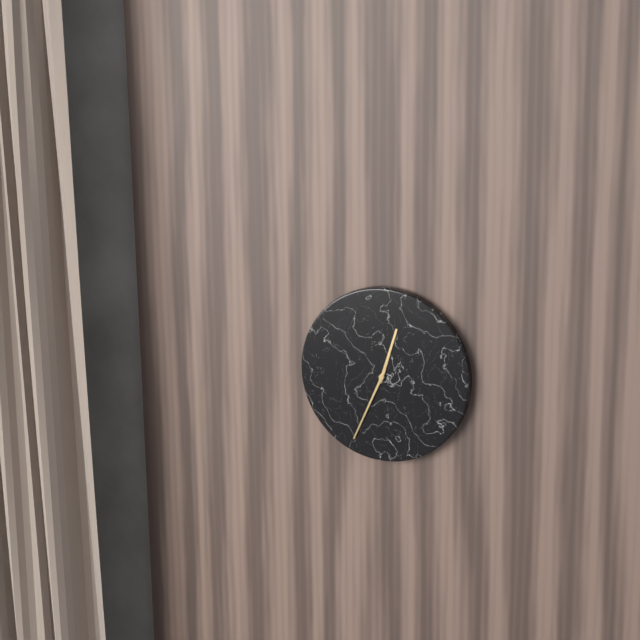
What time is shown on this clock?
12:34
